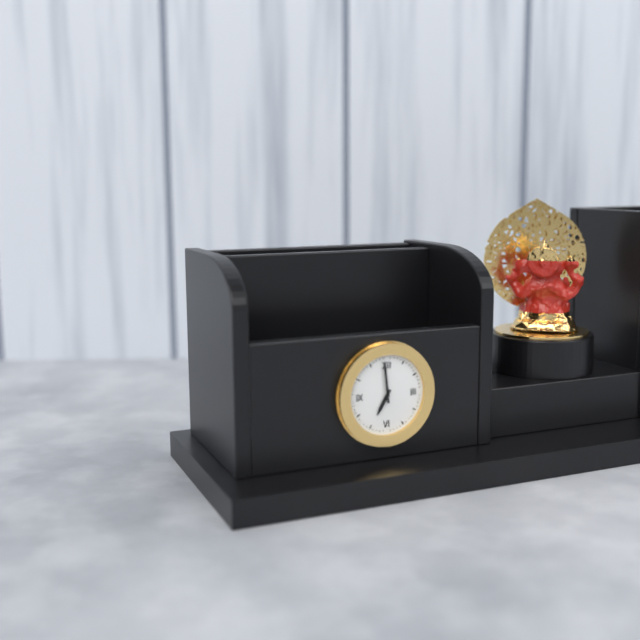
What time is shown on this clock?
6:59
